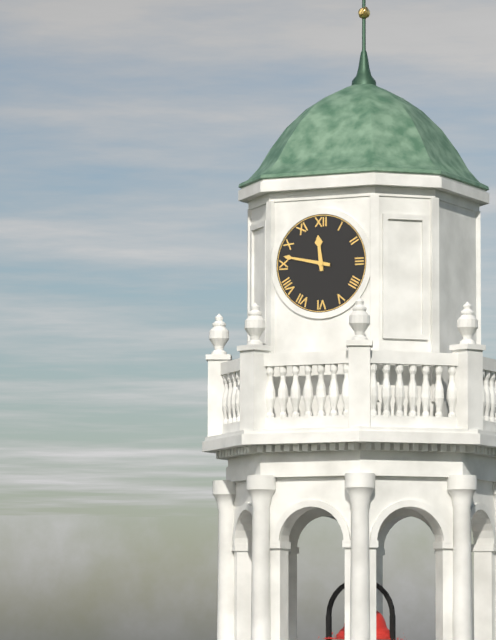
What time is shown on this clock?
11:47
